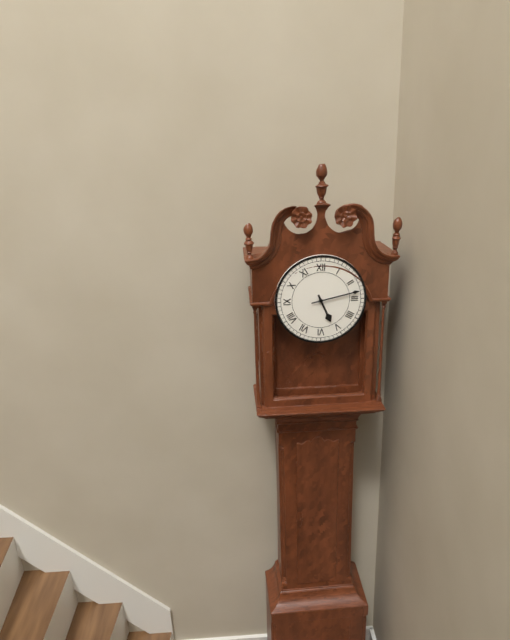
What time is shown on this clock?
5:13
